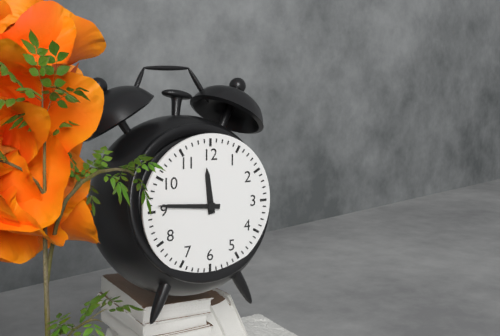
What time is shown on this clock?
11:46
